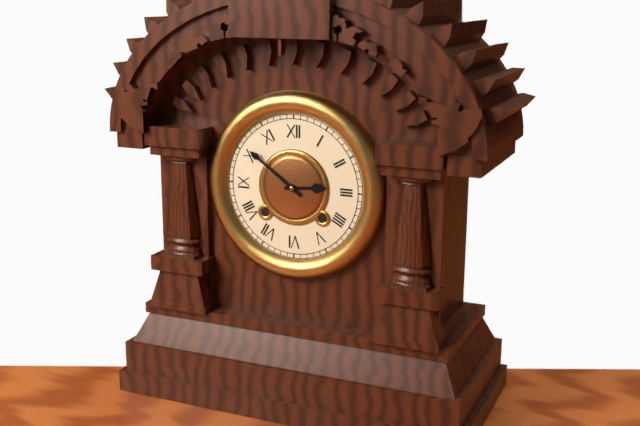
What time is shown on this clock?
2:51
